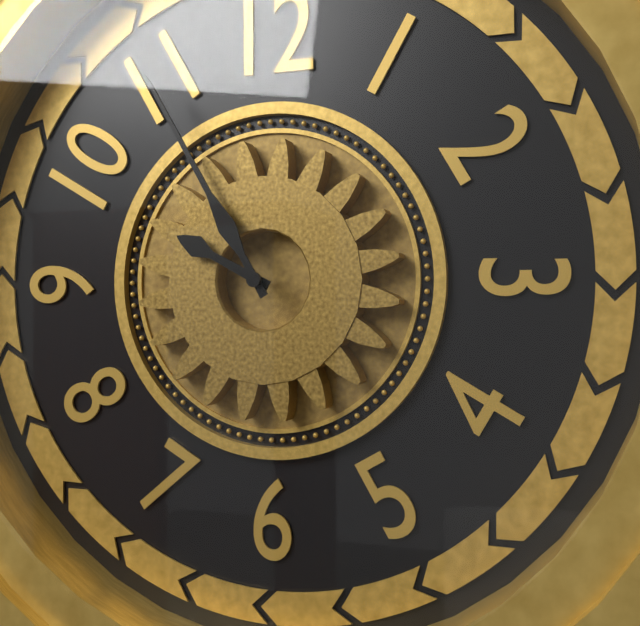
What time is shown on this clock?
9:55
